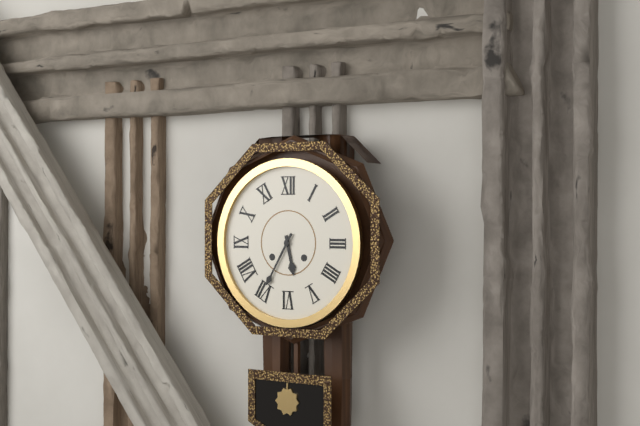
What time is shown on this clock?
5:35
